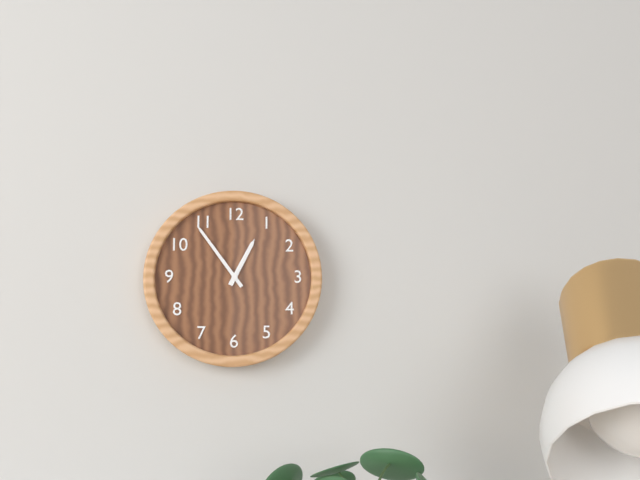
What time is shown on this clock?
12:54
